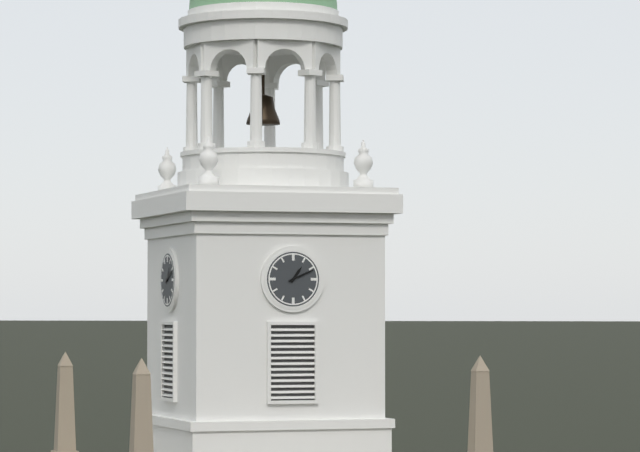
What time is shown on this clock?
1:11
